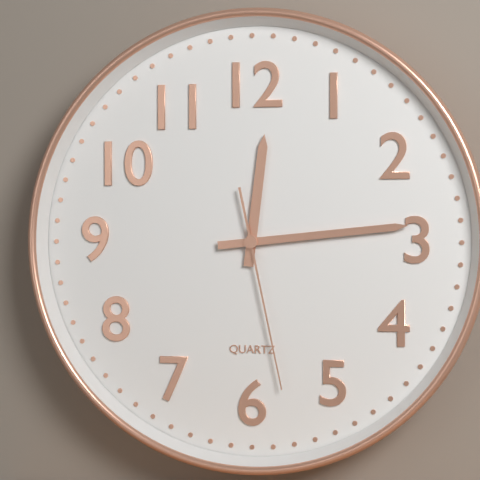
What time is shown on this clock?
12:14:28
